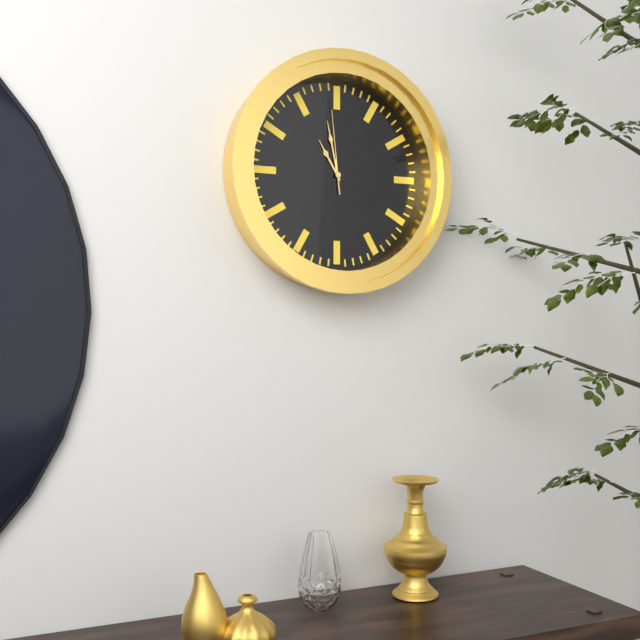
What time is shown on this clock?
10:58:59
